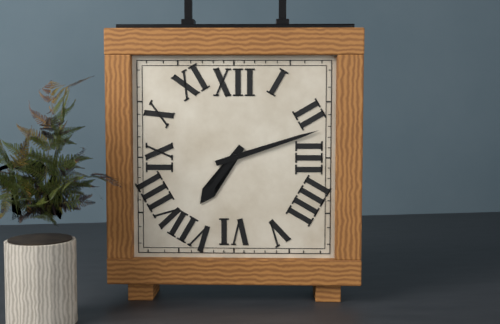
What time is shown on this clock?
7:12
